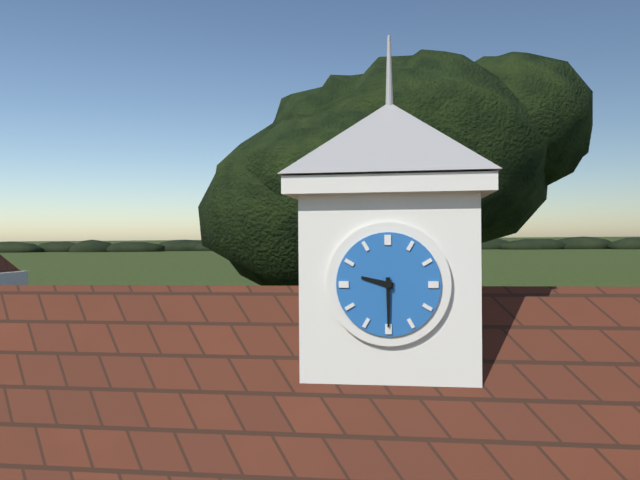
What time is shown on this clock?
9:30
